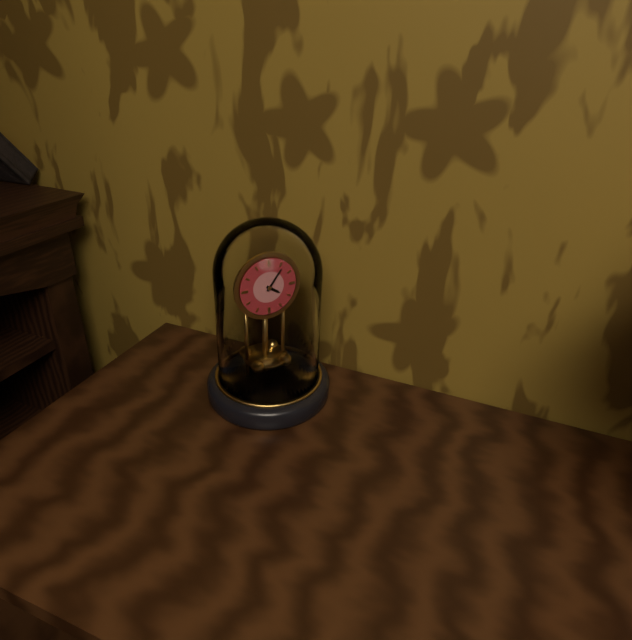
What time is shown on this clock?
4:06
